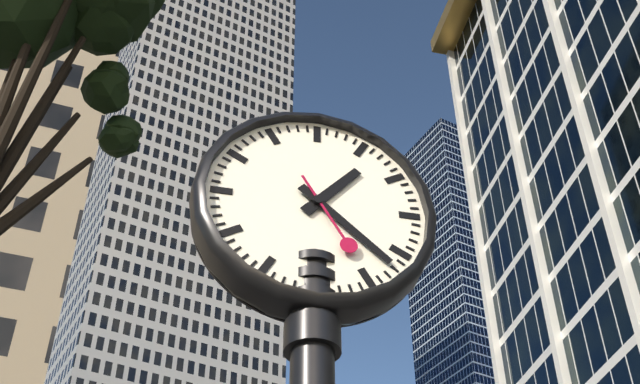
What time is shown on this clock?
1:22:25
